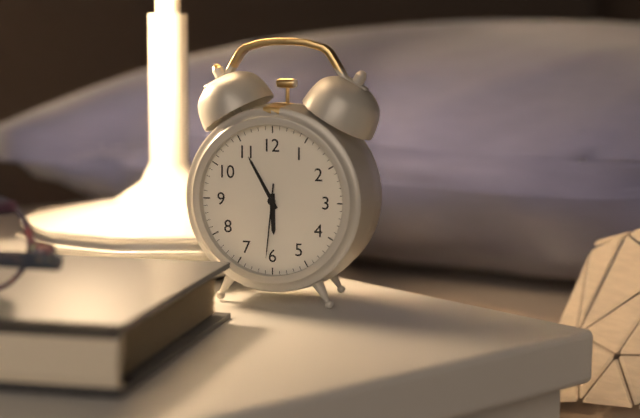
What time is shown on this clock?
5:55:31
